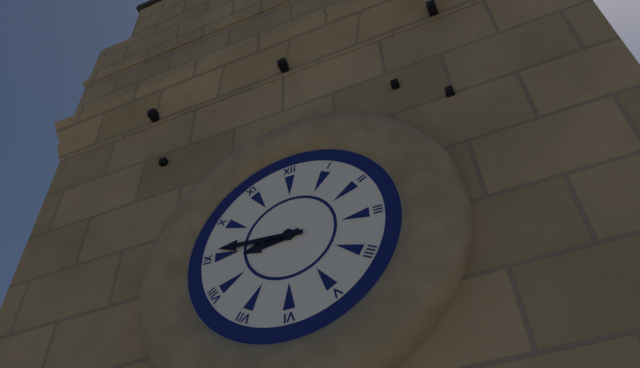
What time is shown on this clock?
8:46
